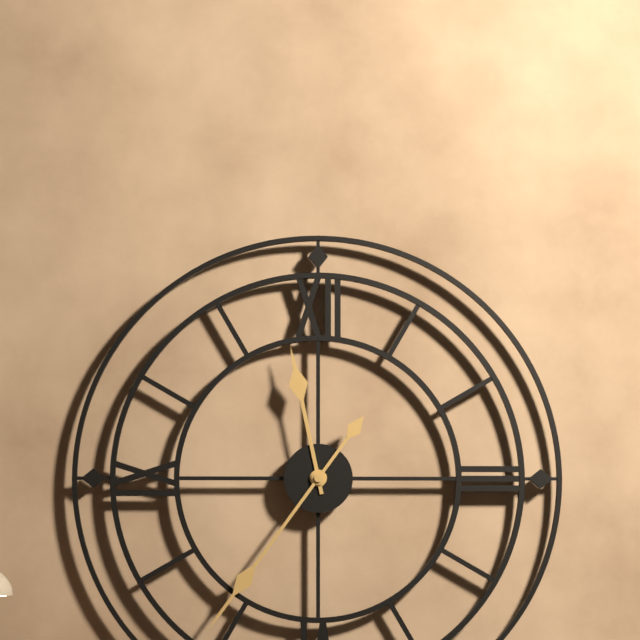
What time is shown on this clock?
11:36
